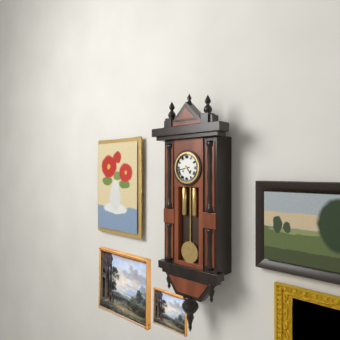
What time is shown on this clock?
4:43
